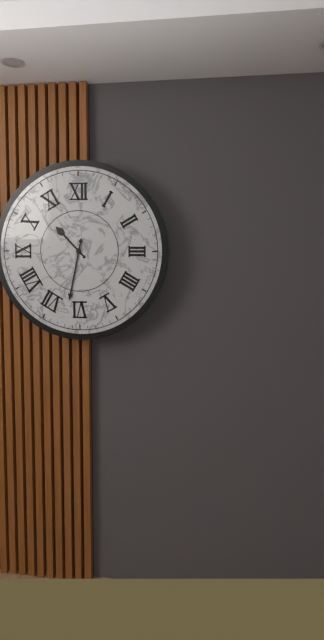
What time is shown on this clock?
10:32
